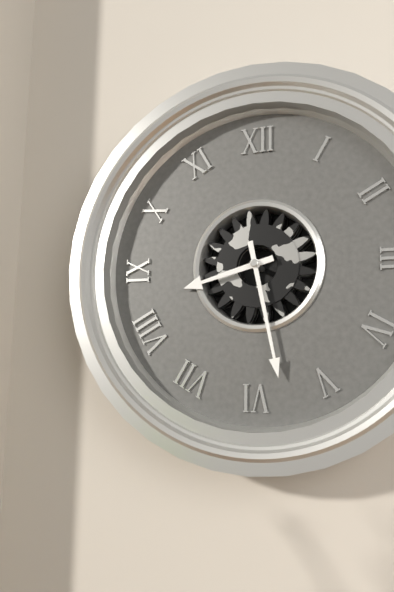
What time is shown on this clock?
8:28
